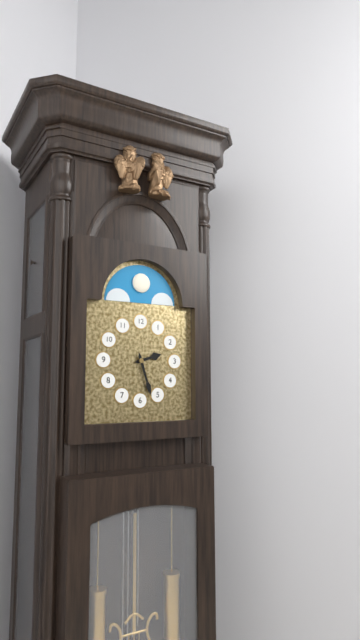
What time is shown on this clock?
2:27
